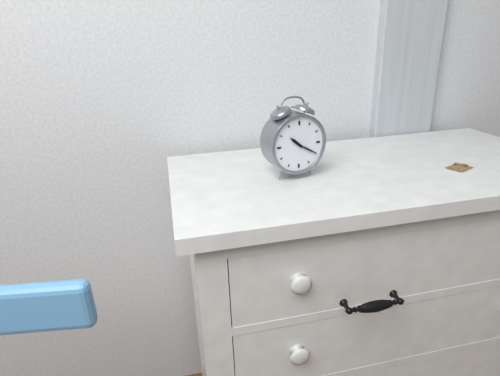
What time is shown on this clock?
10:20
